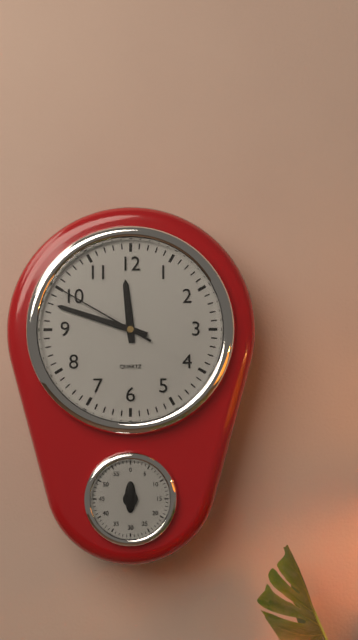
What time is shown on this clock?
11:48:50
